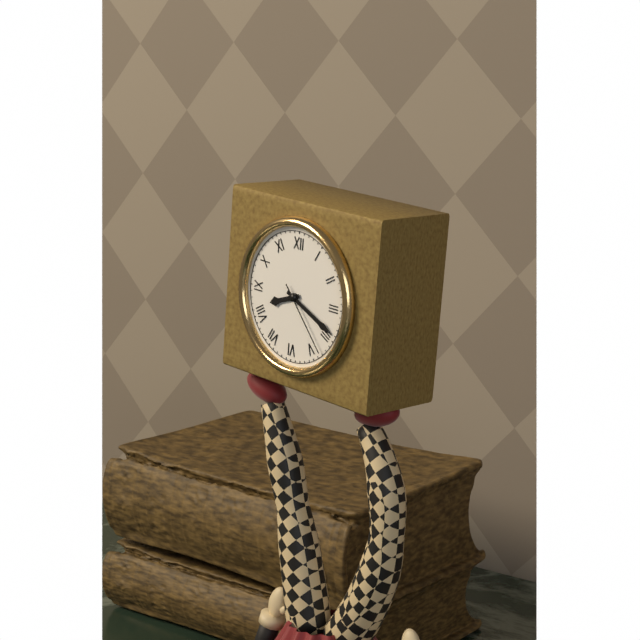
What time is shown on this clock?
8:19:23
